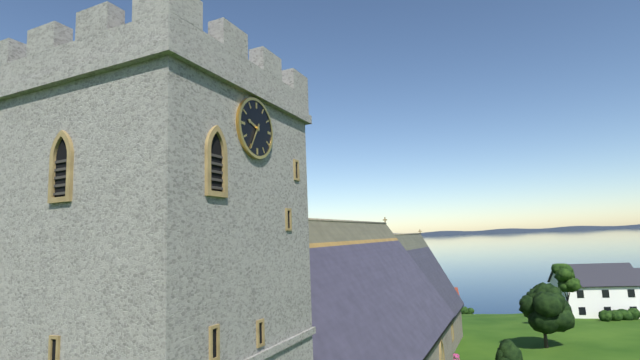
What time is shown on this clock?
9:35
